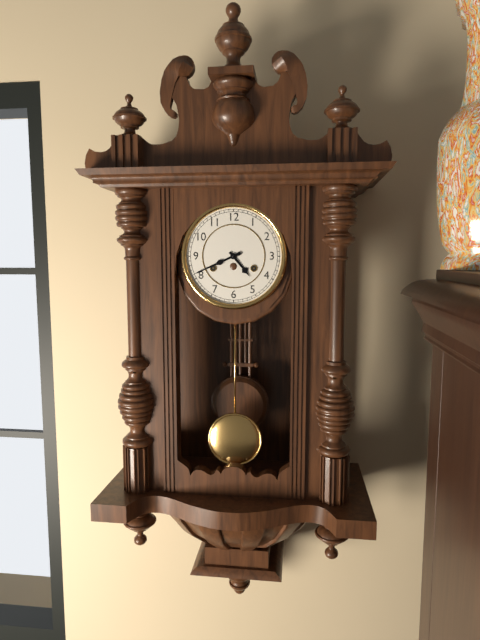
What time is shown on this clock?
4:41
